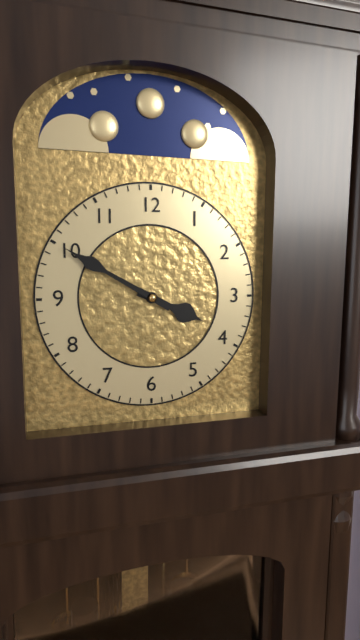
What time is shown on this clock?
3:50
